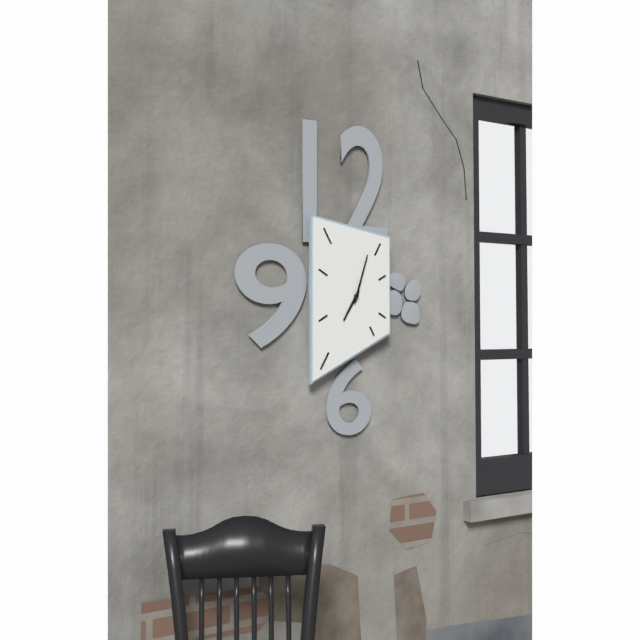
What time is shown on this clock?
7:03
